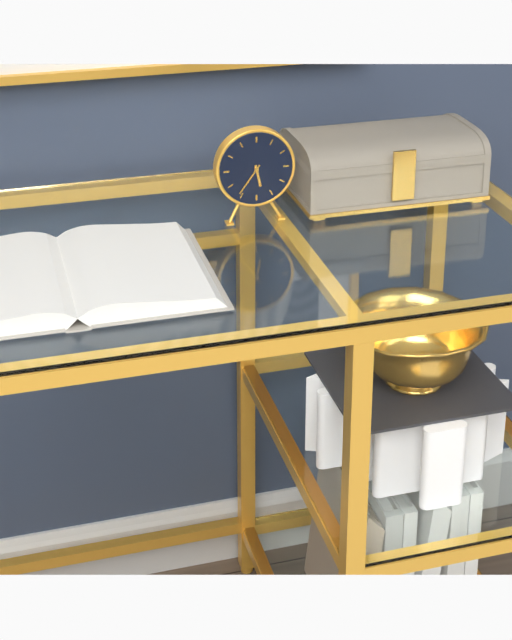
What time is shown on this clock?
5:36
